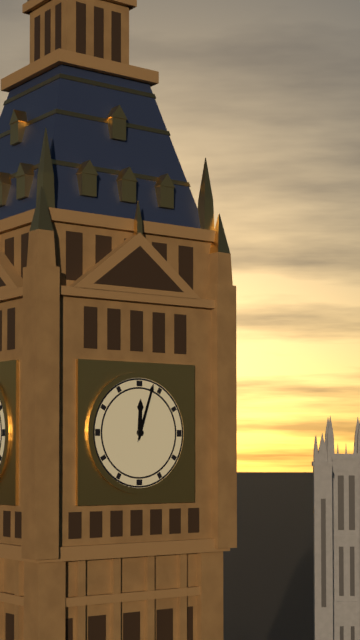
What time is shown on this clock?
12:03
